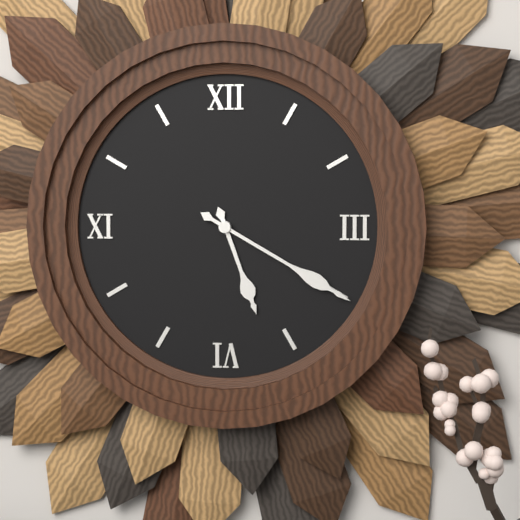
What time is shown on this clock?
5:20
